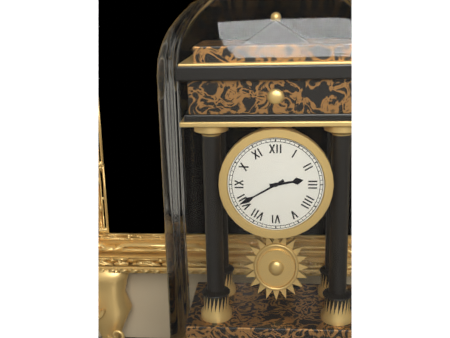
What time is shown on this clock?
2:40
